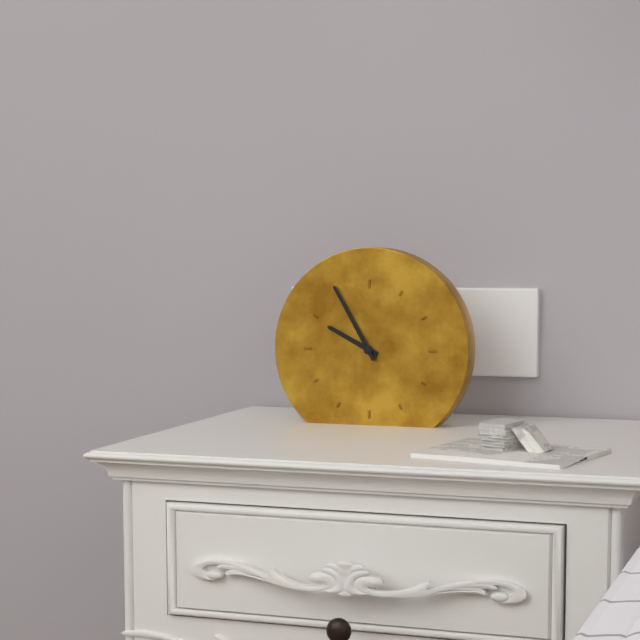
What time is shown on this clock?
9:55
